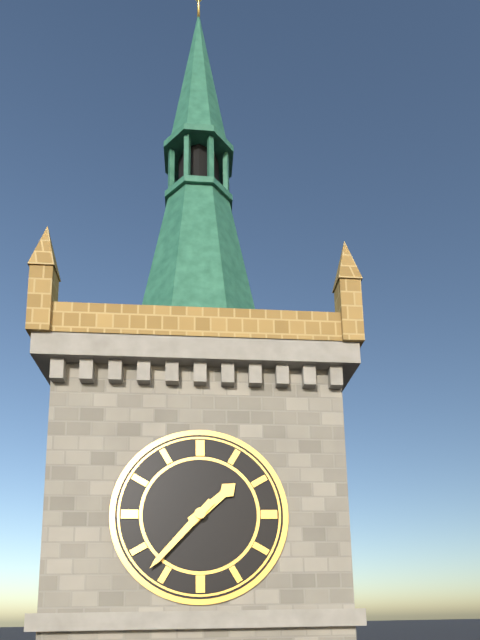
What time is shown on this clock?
1:37
